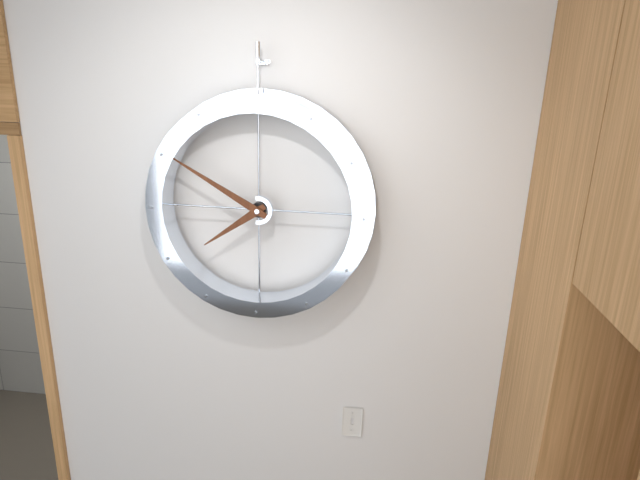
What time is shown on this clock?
7:50
